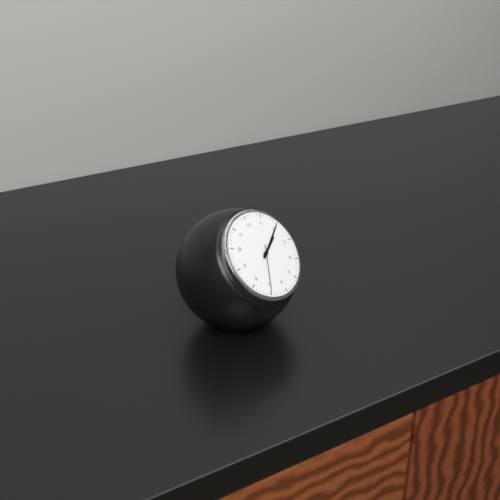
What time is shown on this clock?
2:10
